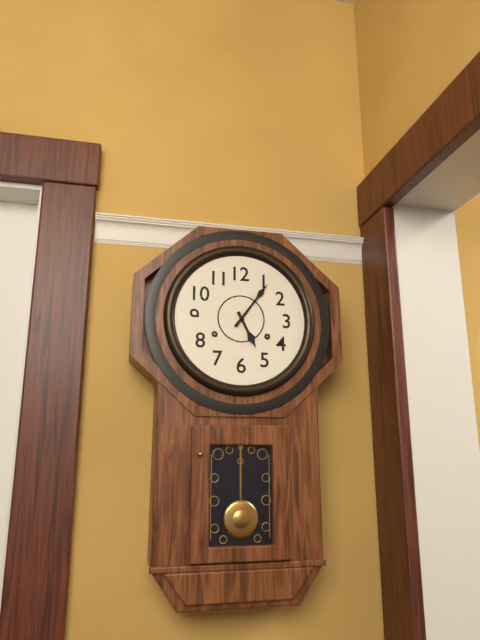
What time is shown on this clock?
5:06
